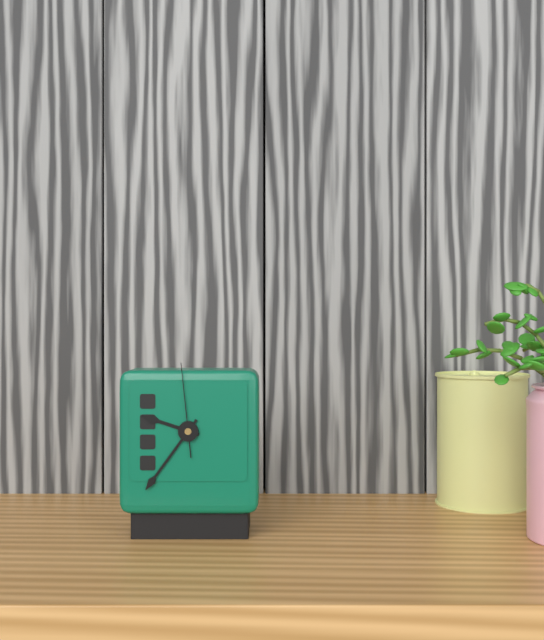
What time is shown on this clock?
9:36:59
